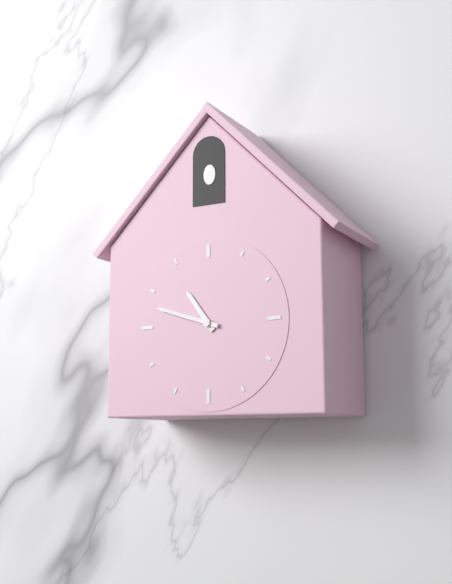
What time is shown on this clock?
10:48
